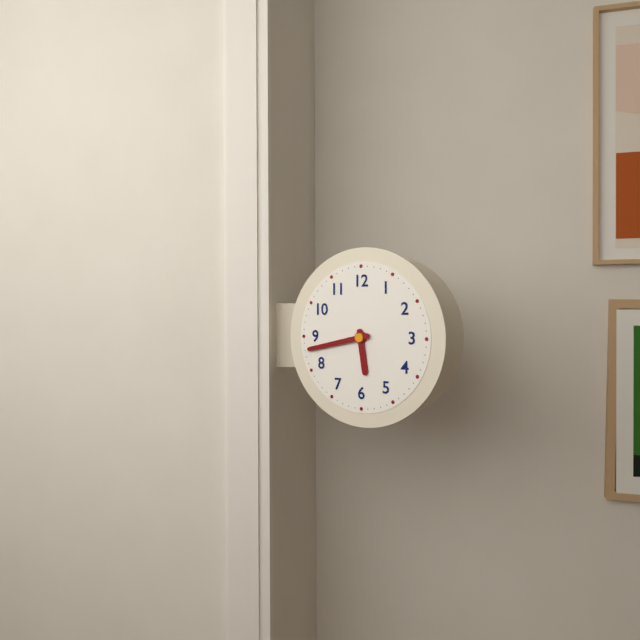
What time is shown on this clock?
5:43
